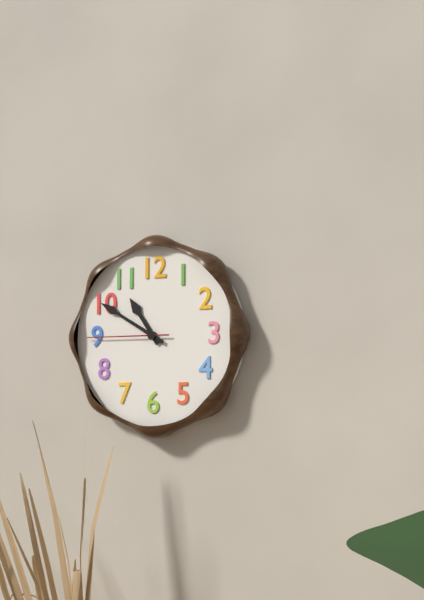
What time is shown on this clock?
10:50:45
